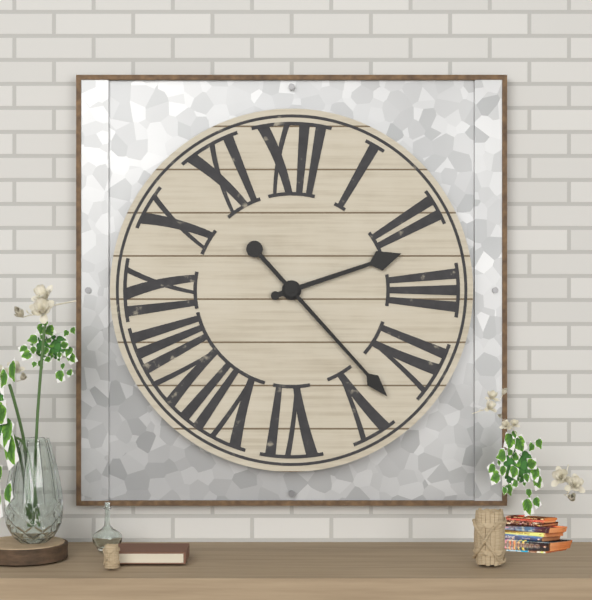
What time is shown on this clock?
2:23
